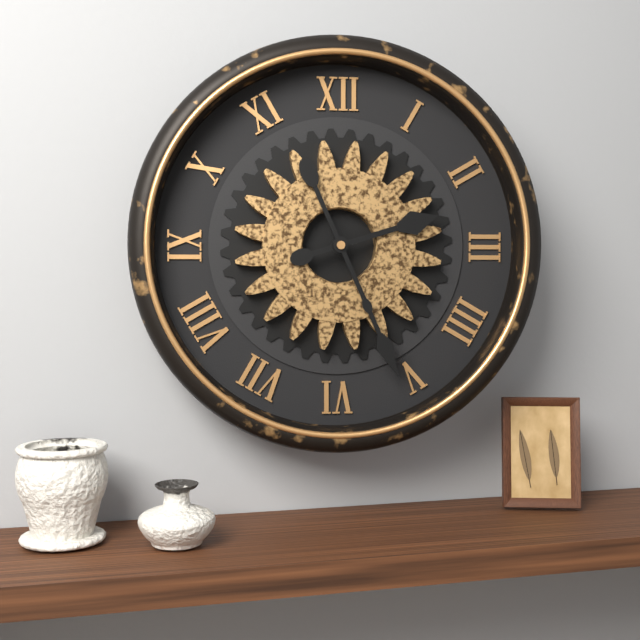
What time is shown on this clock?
2:26
